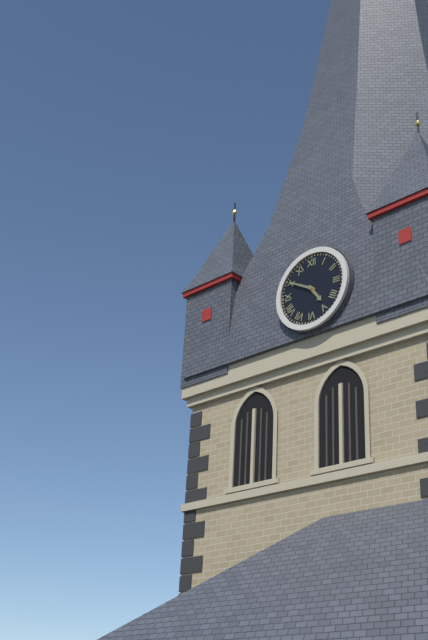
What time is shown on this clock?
4:50
